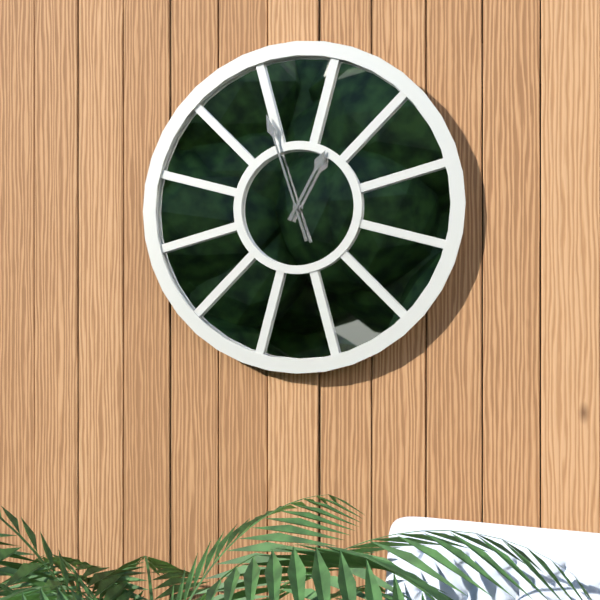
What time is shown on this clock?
12:57
